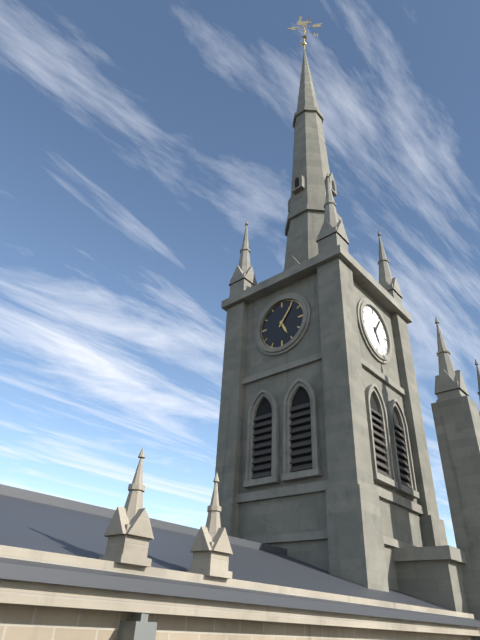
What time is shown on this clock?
5:06
